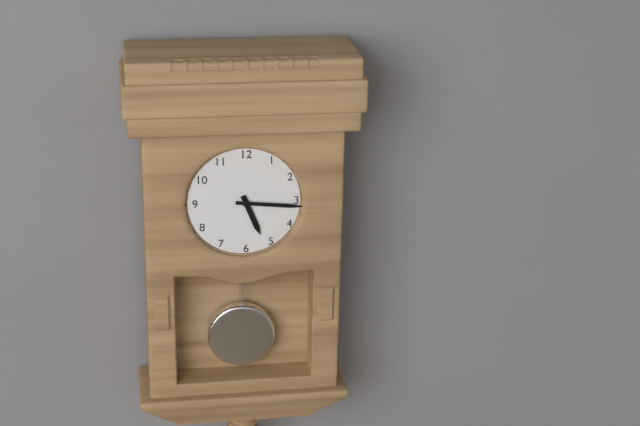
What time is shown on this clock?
5:16
